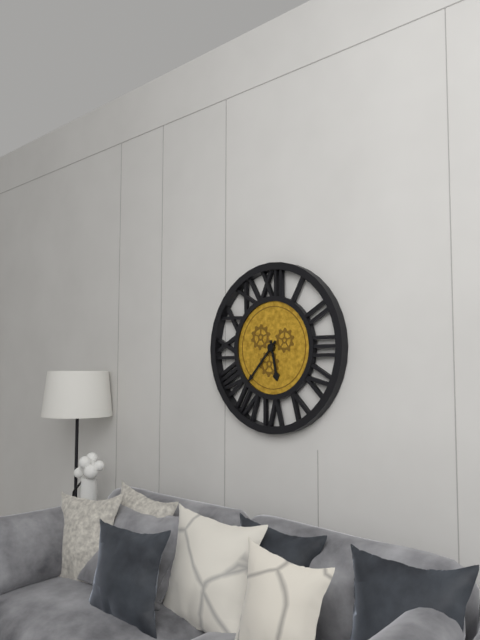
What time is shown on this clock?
5:37
